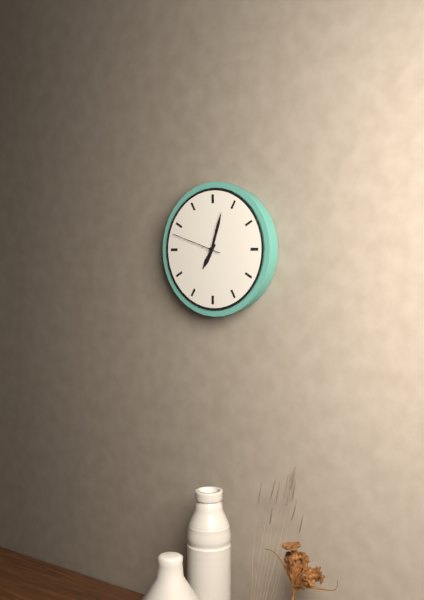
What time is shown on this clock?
7:03:48
